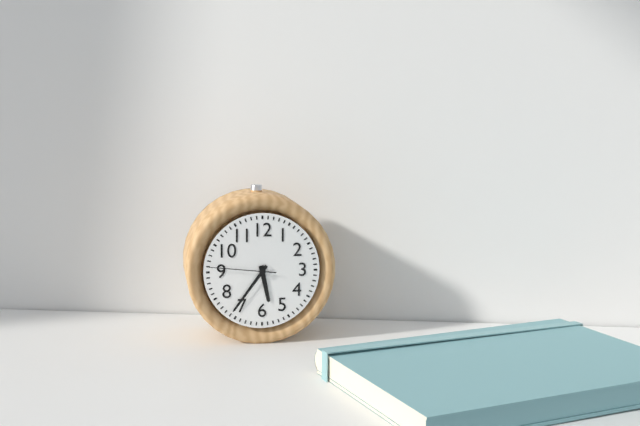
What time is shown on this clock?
5:36:46
